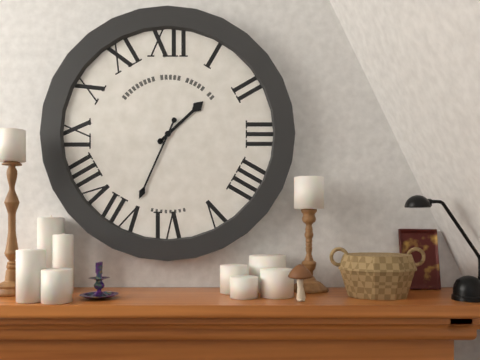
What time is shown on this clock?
1:34
